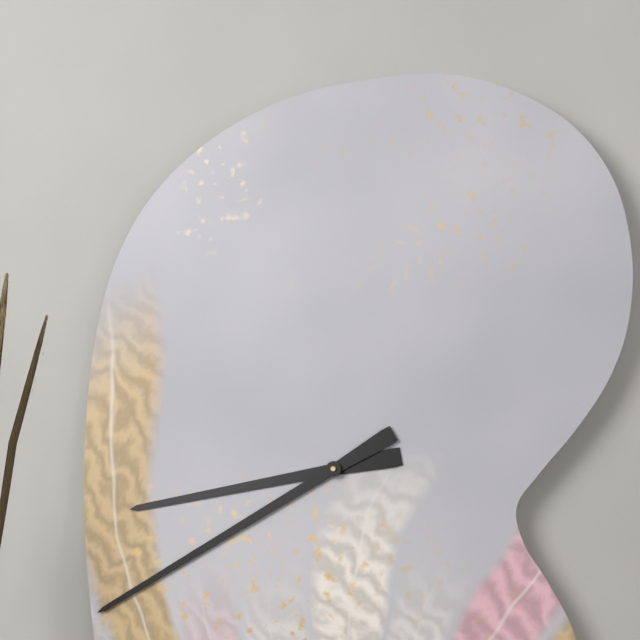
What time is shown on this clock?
8:40
